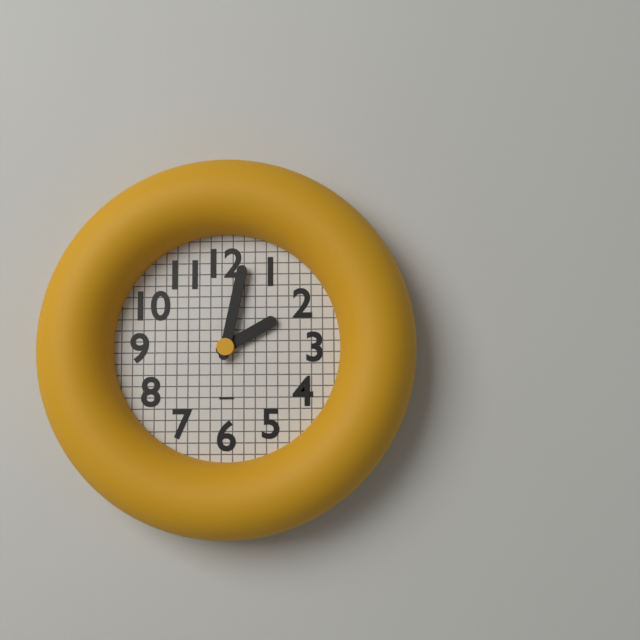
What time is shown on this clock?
2:02
